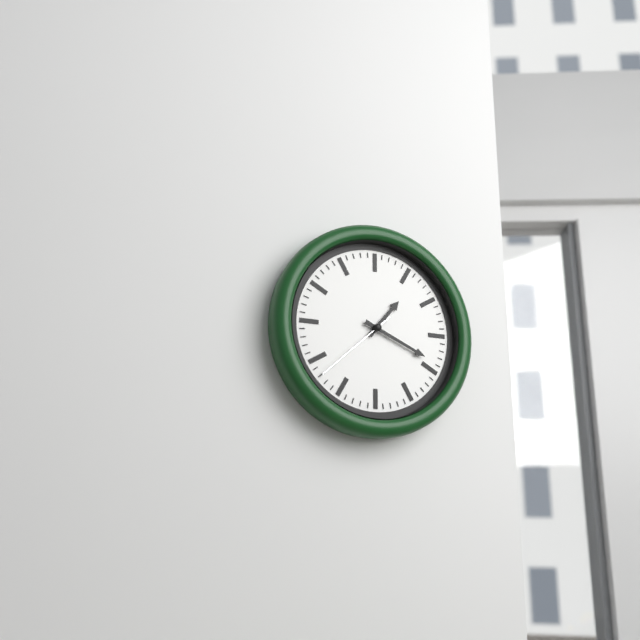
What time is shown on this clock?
1:19:38
